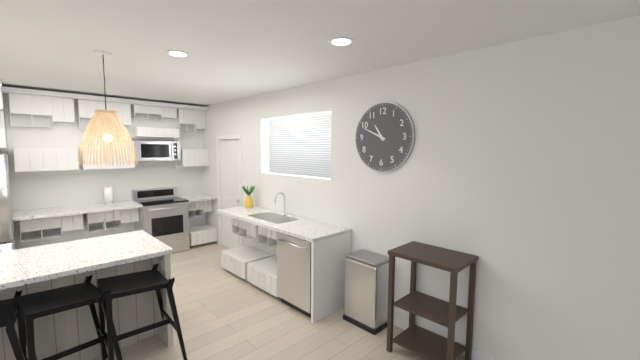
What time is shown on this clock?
10:49
